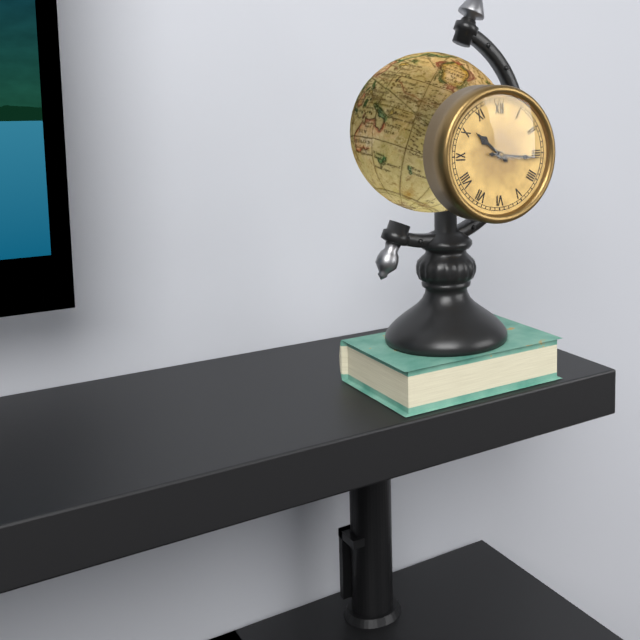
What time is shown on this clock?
10:16
